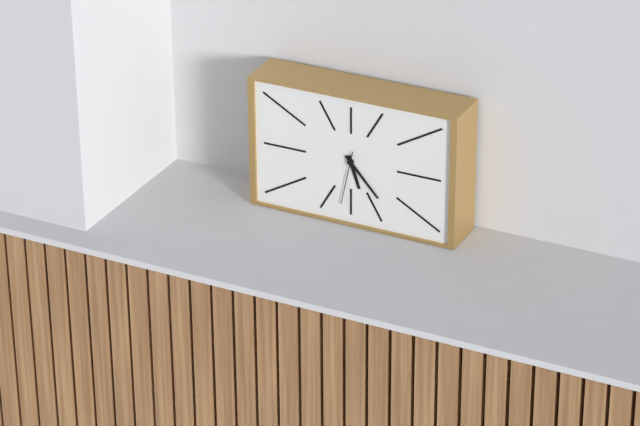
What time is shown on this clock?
5:23:32
